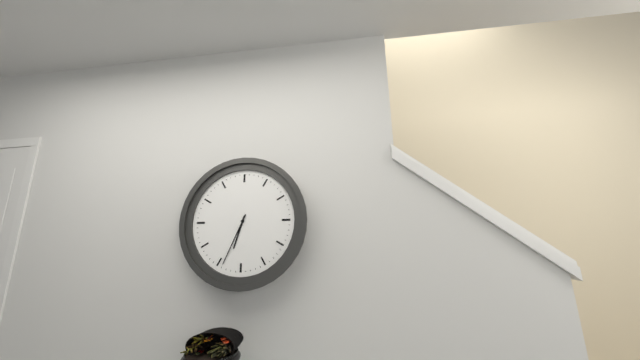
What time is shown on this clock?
6:34
